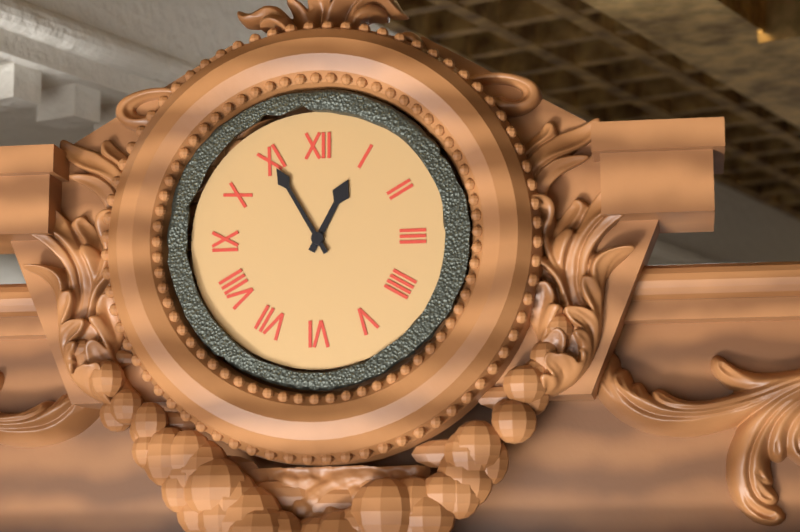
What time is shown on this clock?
12:55
